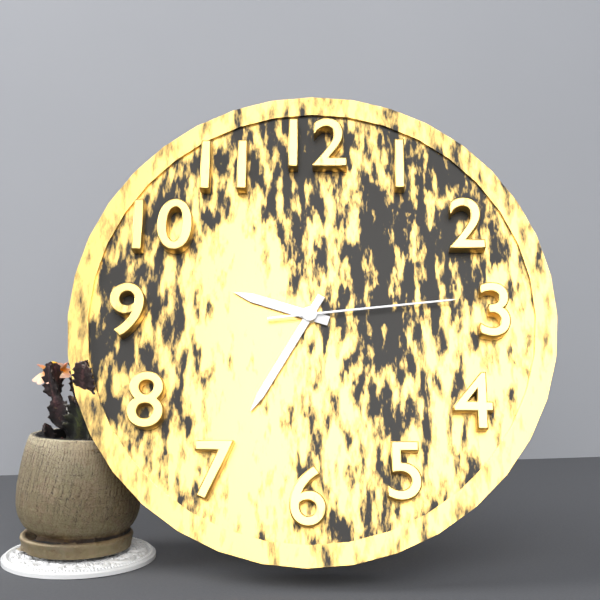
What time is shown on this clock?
9:35:14
